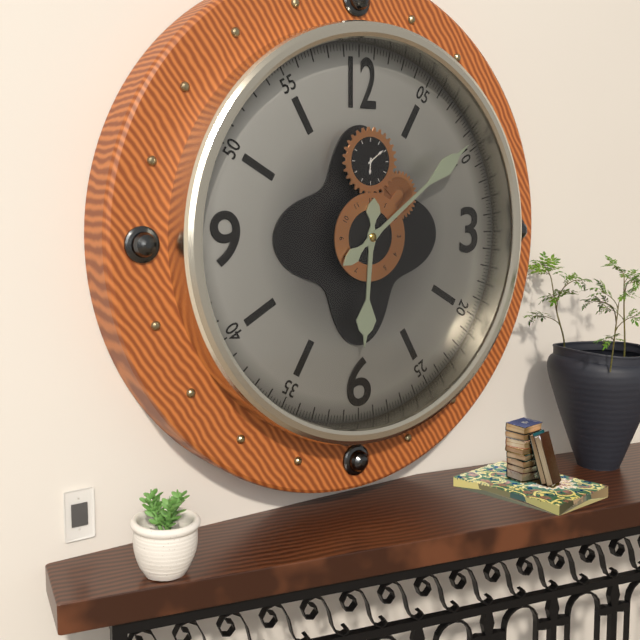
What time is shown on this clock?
6:09
